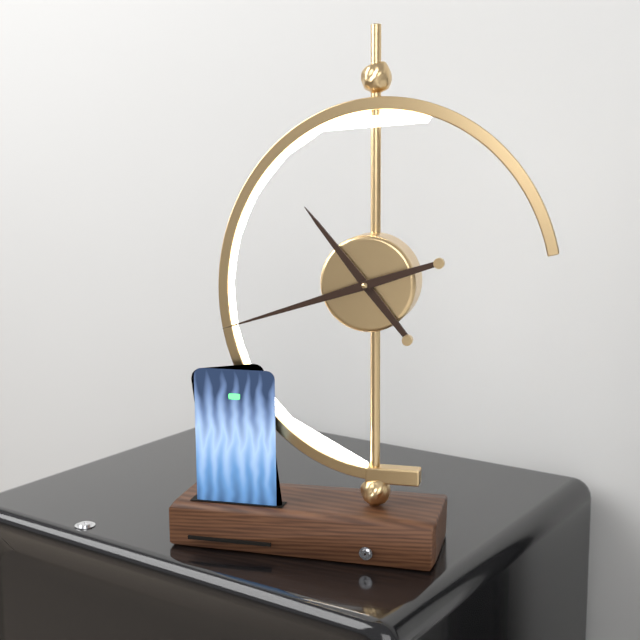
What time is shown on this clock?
10:42
